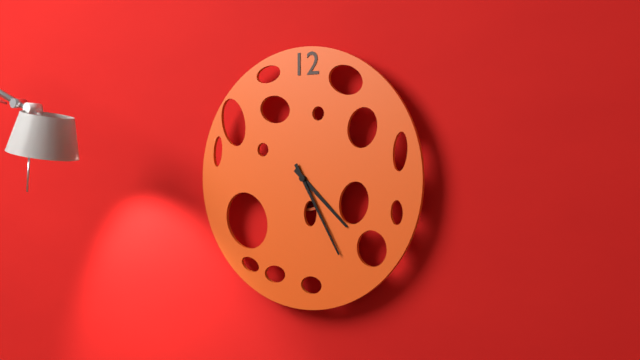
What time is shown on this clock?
4:25
